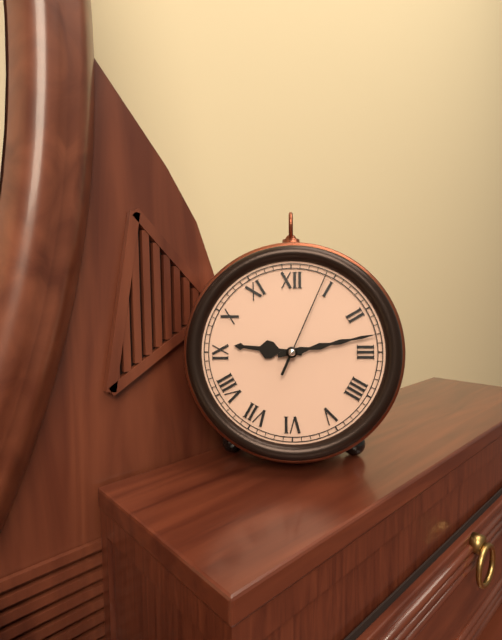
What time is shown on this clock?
9:13:04
